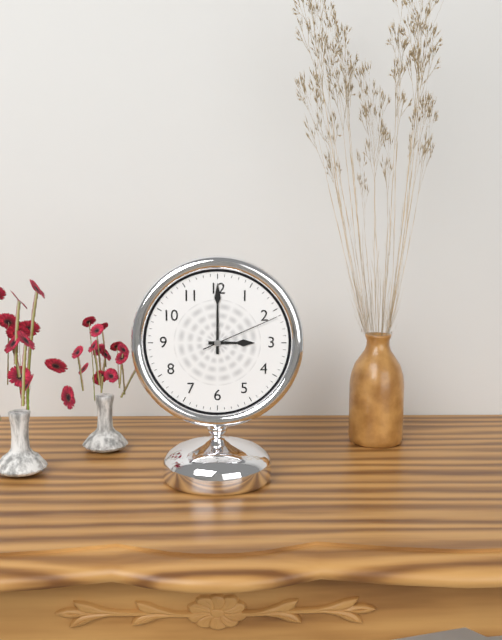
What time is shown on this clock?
3:00:11
